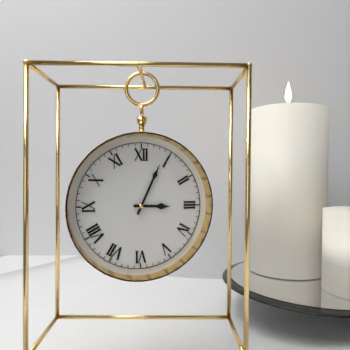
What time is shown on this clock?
3:04
